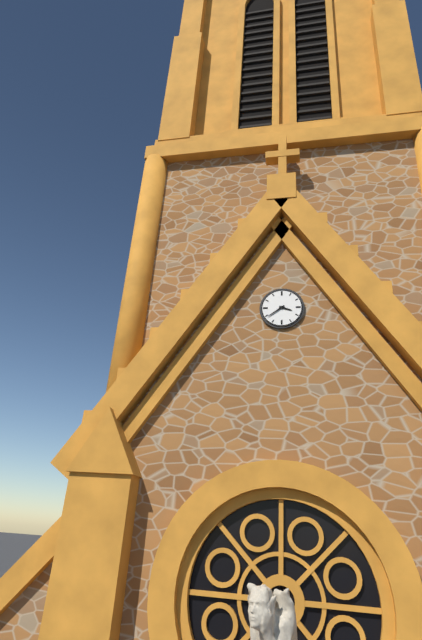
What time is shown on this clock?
3:39
